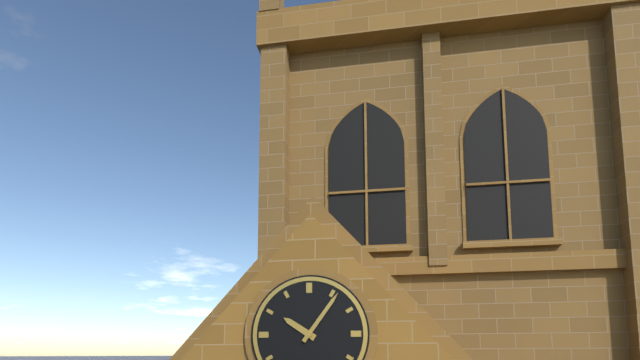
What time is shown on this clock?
10:06
